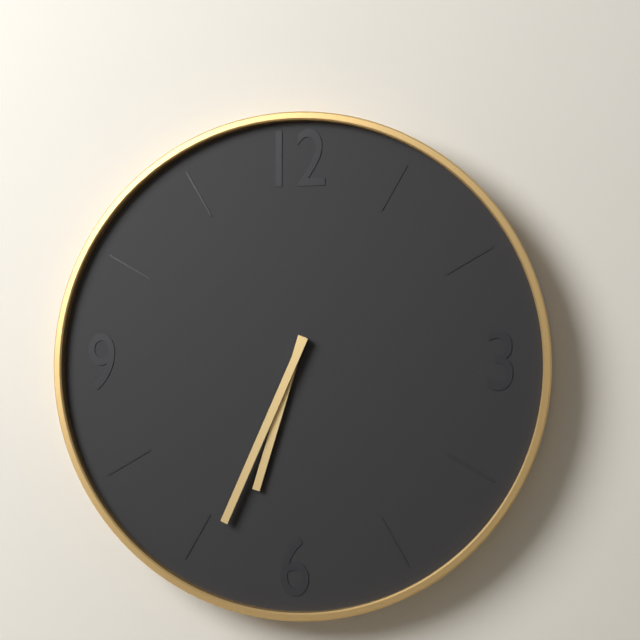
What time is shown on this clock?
6:34
